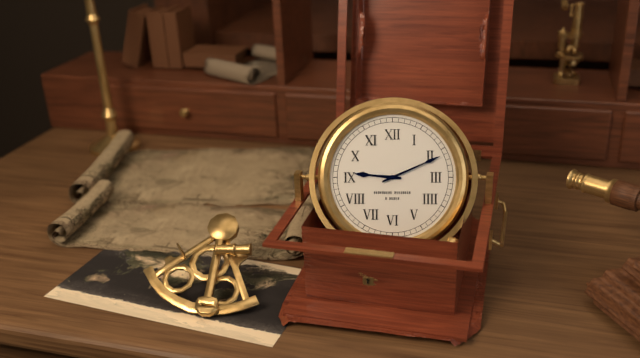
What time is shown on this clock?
9:11
